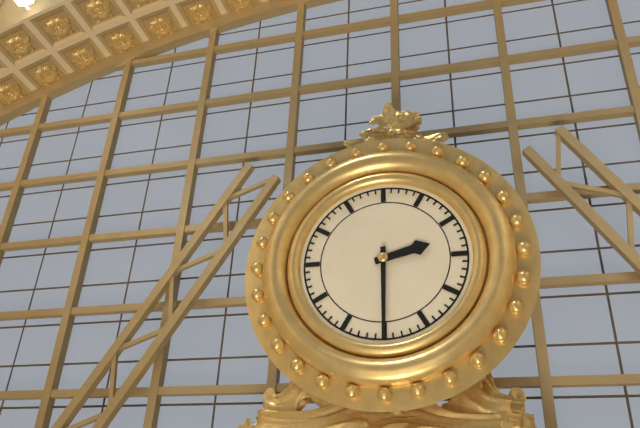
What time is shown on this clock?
2:30
